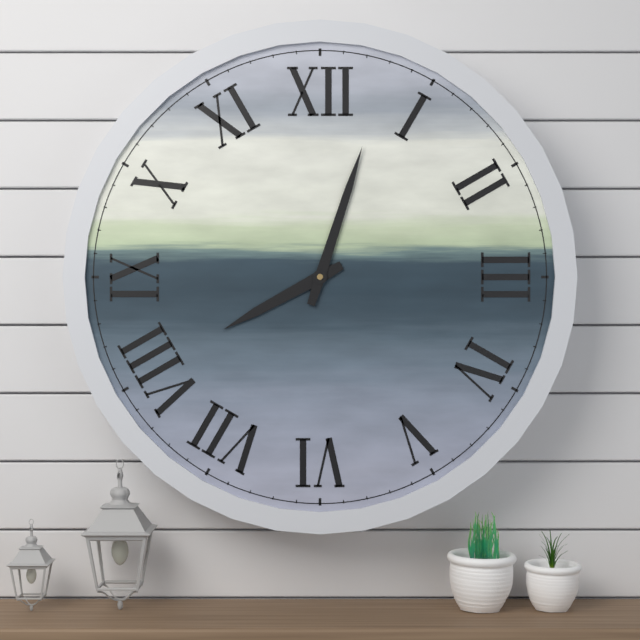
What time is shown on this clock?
8:03
